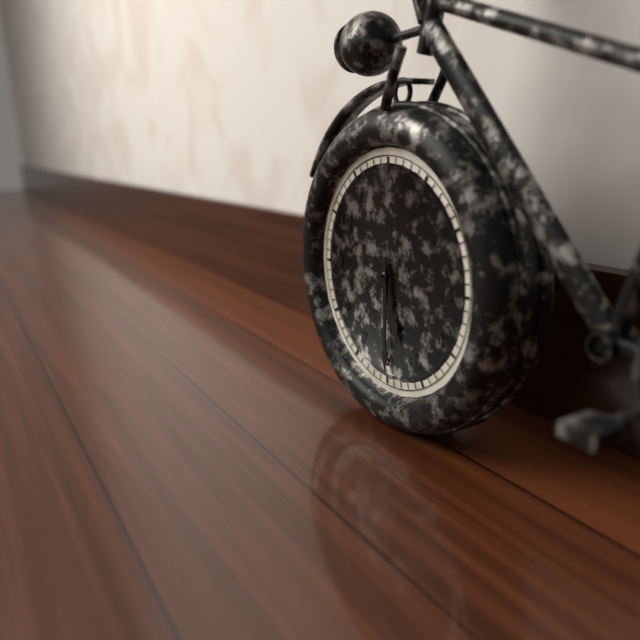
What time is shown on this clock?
5:30
